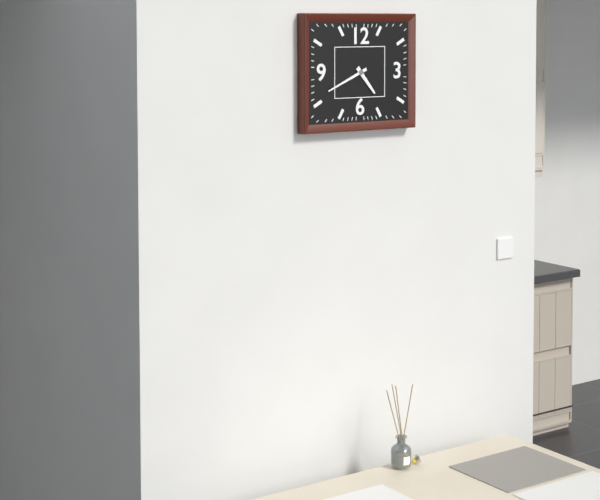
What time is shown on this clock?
4:41
